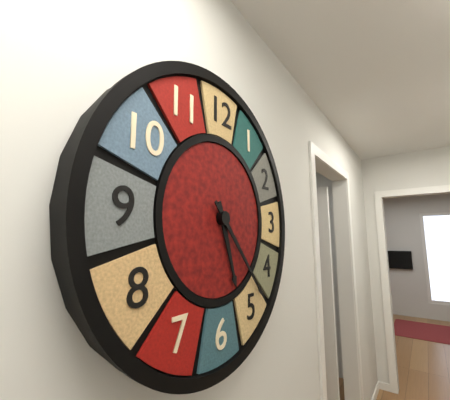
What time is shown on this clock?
5:23
